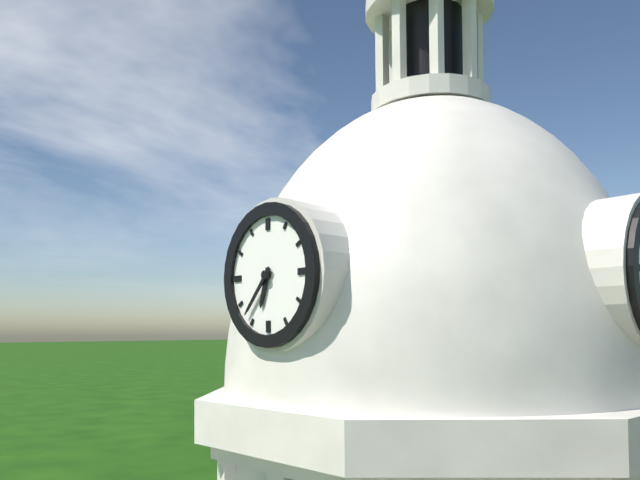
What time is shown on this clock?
6:37
